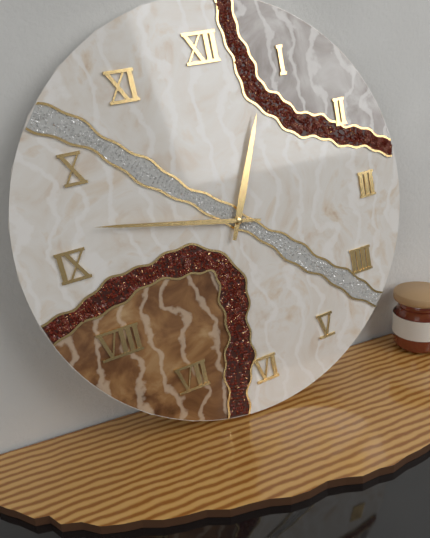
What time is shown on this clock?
12:47
